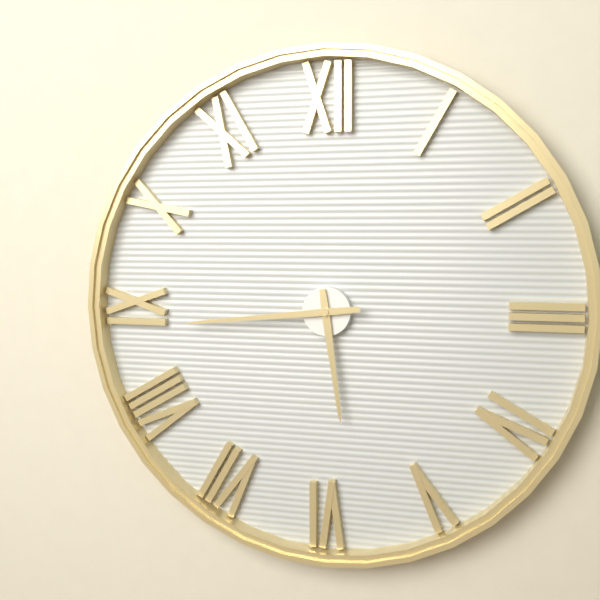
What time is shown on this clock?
5:44
